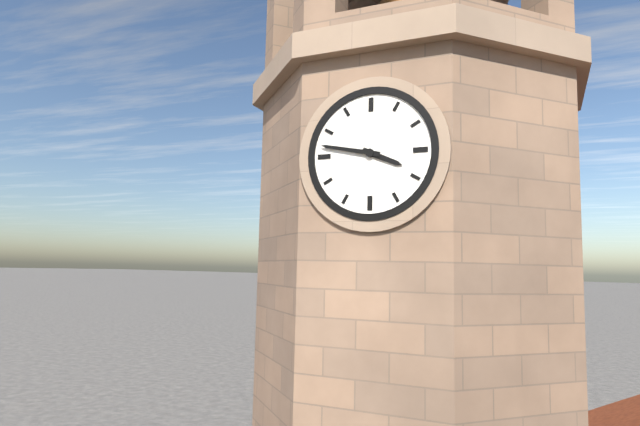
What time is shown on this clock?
3:47
